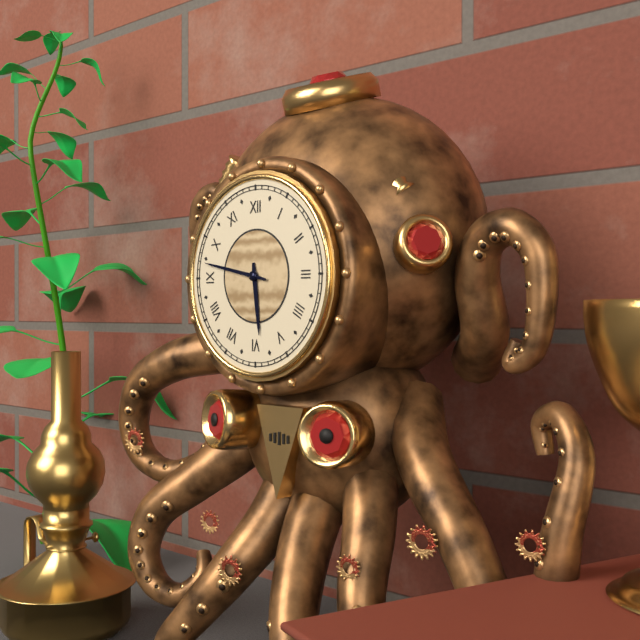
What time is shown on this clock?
5:47
